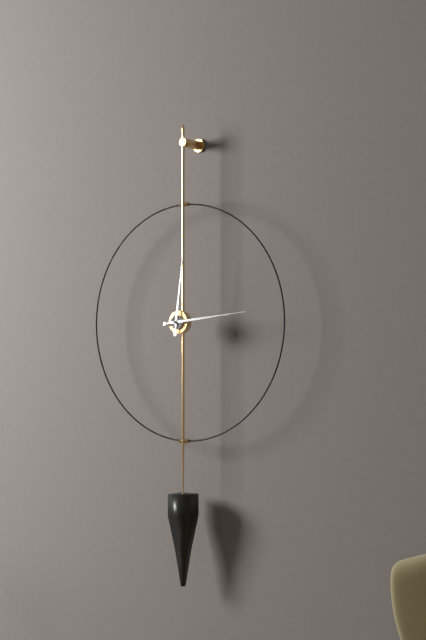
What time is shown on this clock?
12:14
